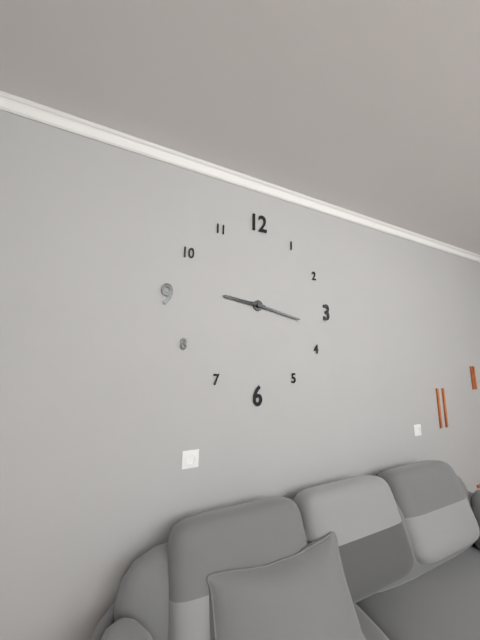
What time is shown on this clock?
9:17
